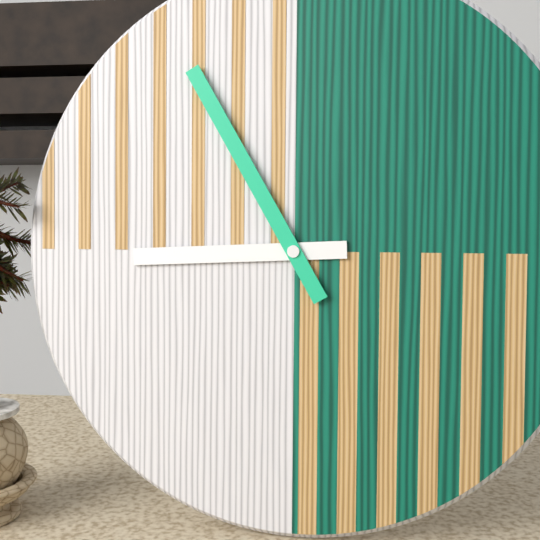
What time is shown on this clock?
8:55
